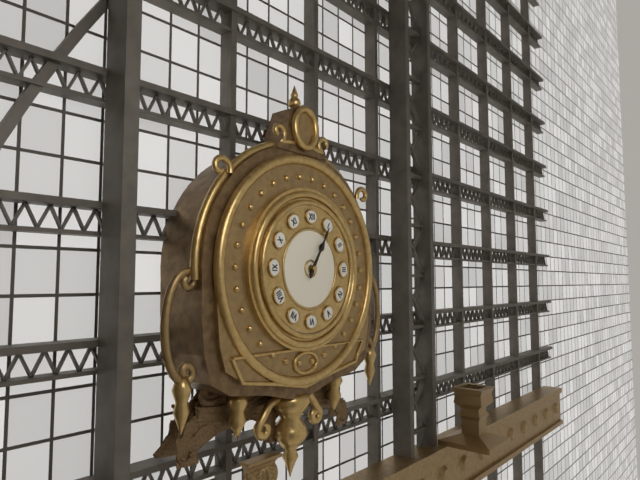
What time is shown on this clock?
1:05
